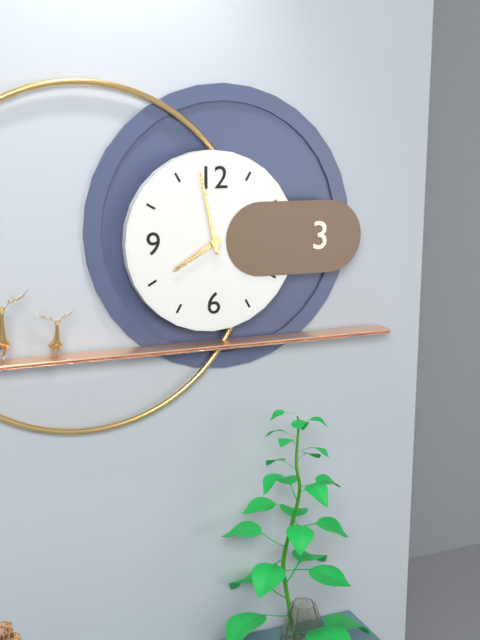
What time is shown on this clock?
7:58
